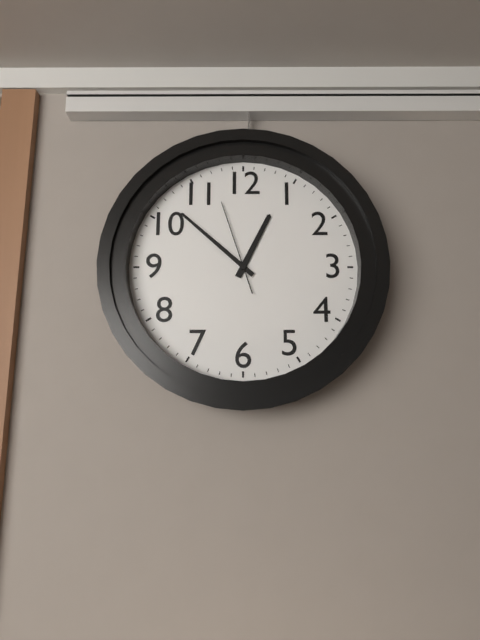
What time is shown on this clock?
12:52:57
